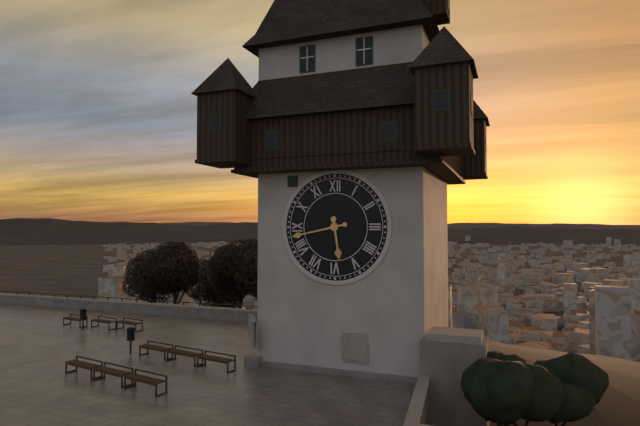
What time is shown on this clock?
5:43
